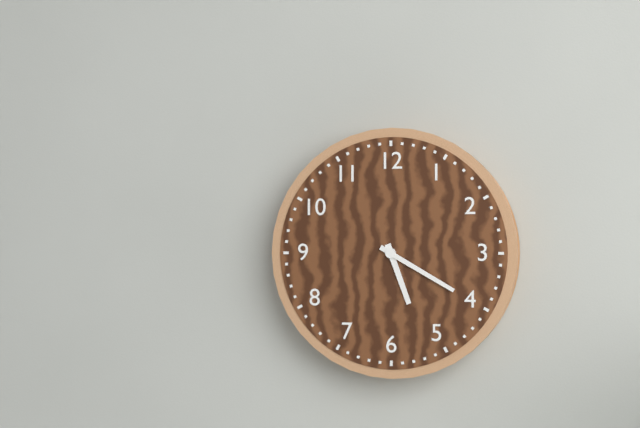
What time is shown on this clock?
5:20
